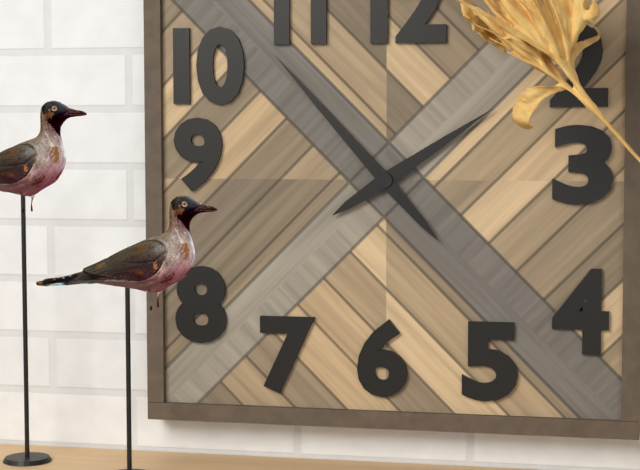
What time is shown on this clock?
1:53
